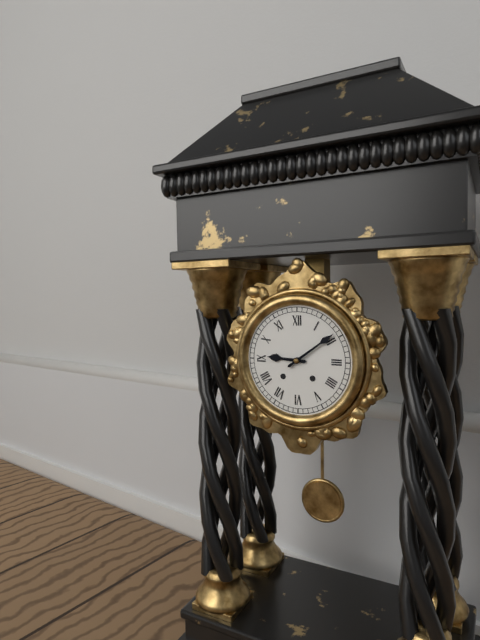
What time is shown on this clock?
9:09
